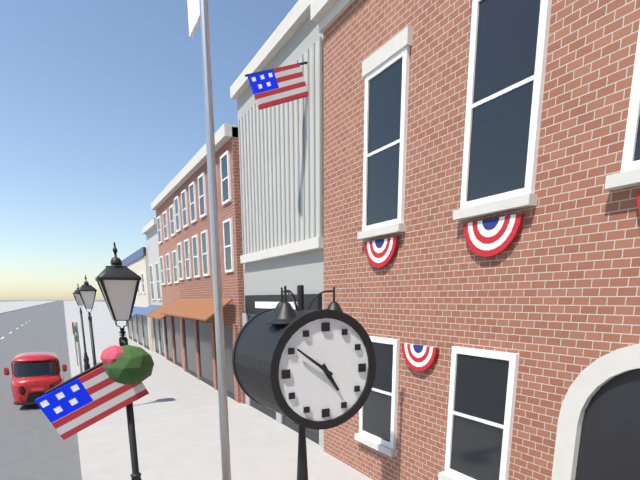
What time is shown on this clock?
4:51
